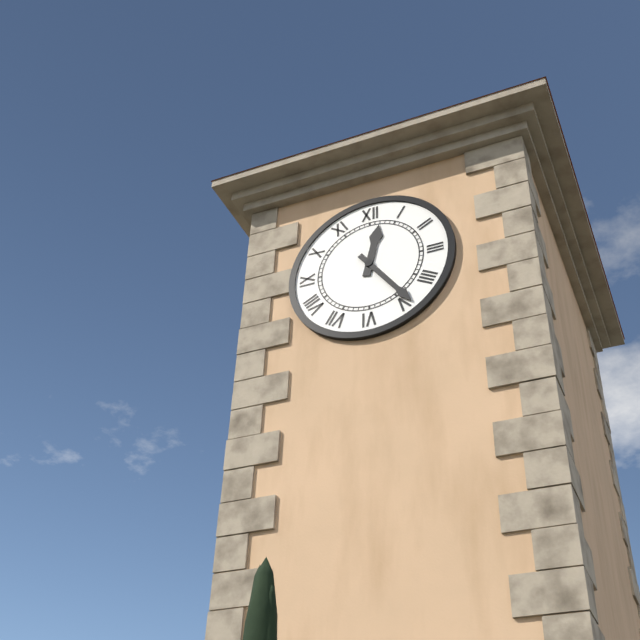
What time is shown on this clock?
12:24
